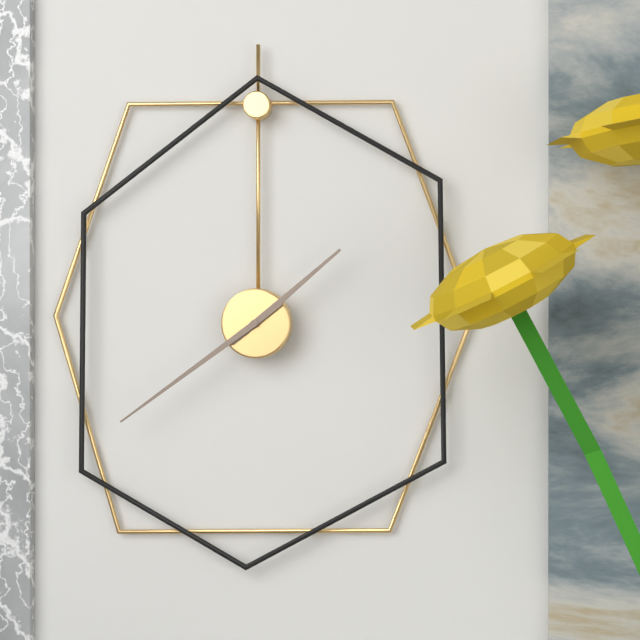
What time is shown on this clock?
1:39
